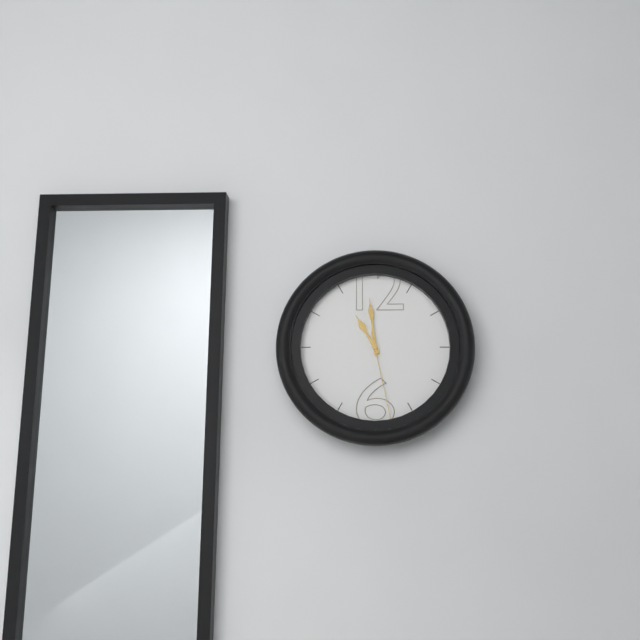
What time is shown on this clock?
10:59:28
